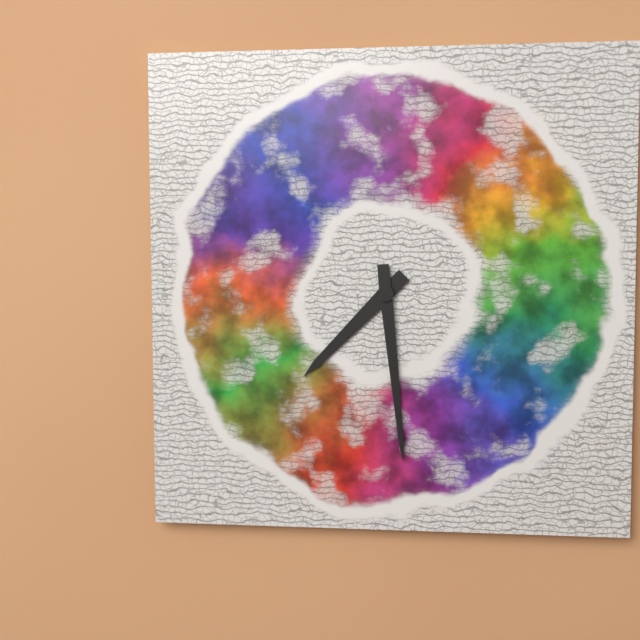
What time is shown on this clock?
7:29
